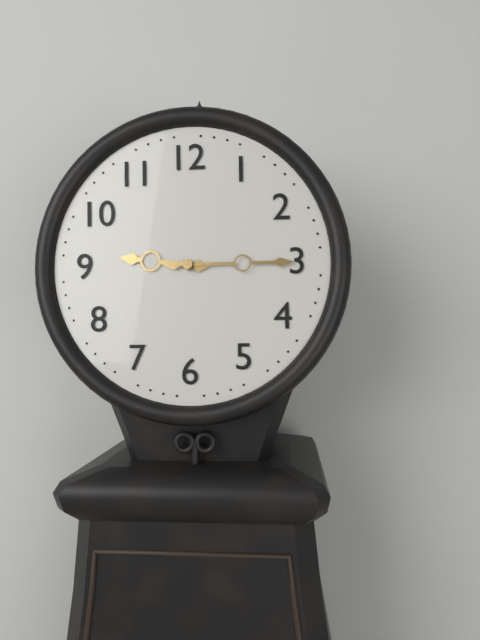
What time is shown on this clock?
9:15
